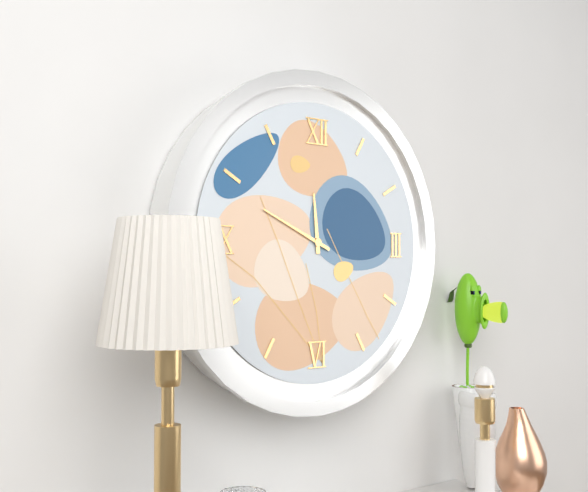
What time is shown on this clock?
11:49
